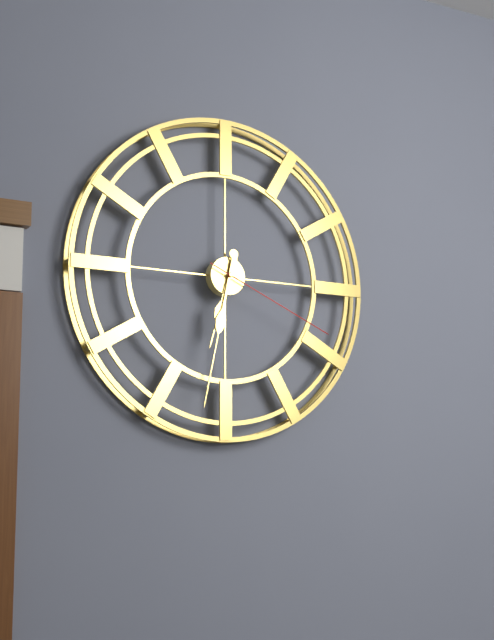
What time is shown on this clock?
6:32:19
